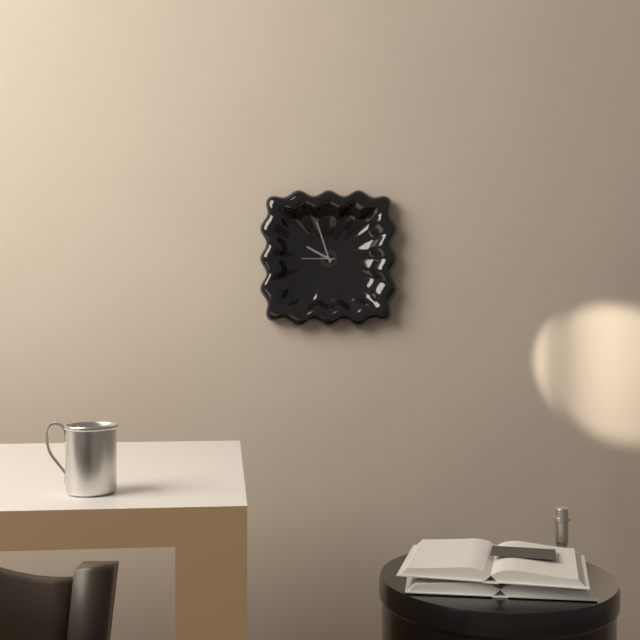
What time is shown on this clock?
9:57
